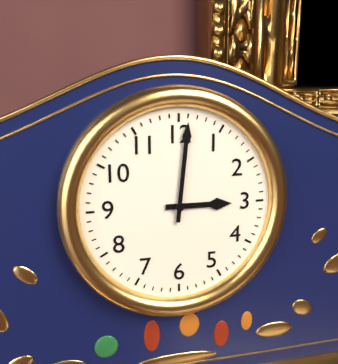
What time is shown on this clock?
3:01
